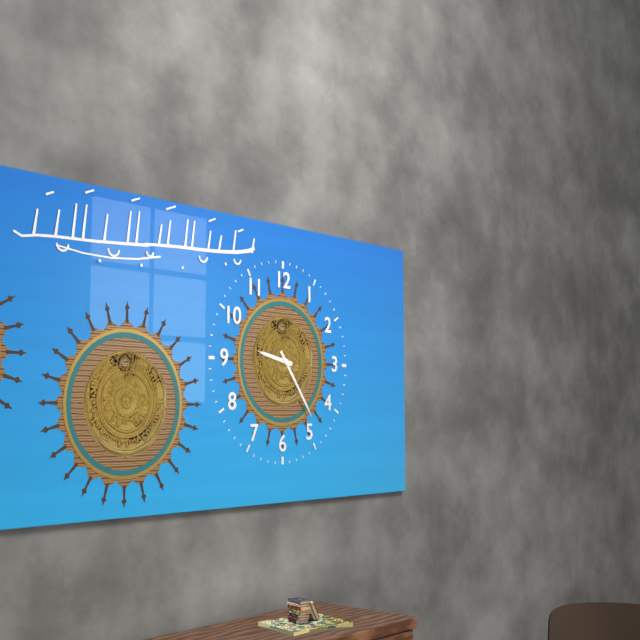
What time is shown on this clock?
9:24
